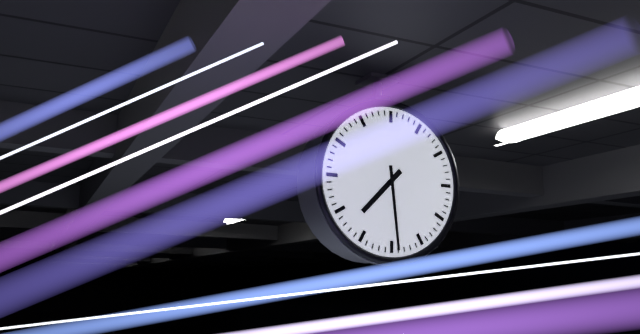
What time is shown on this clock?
7:29
